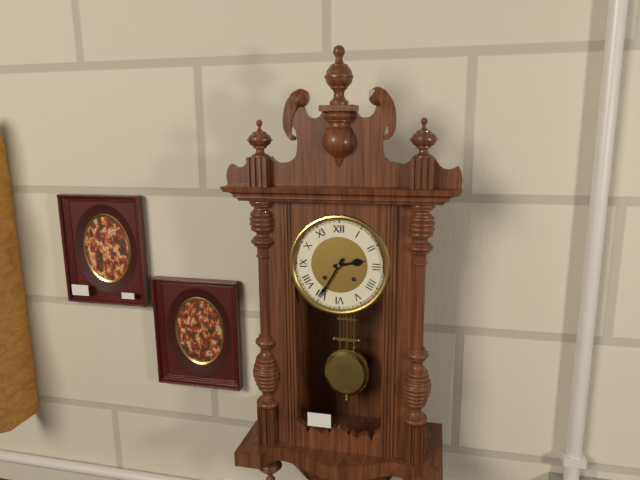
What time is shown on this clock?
2:35
